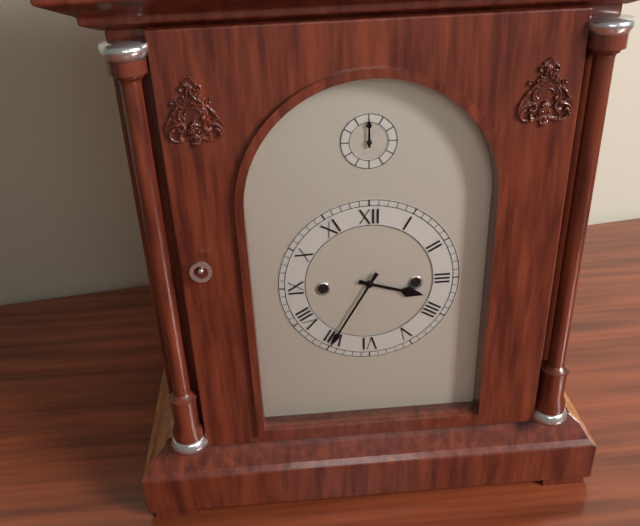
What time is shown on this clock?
3:35
